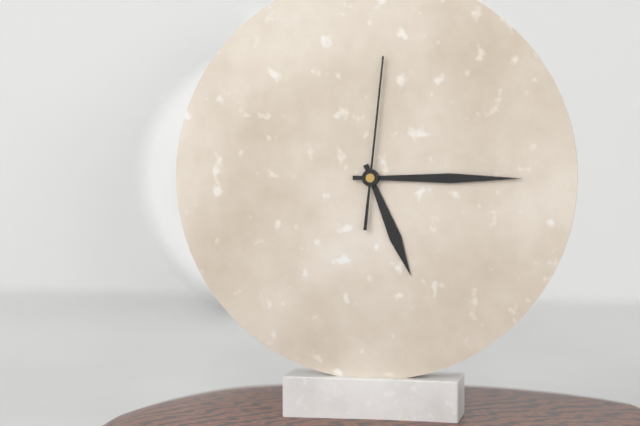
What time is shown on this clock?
5:15:01
